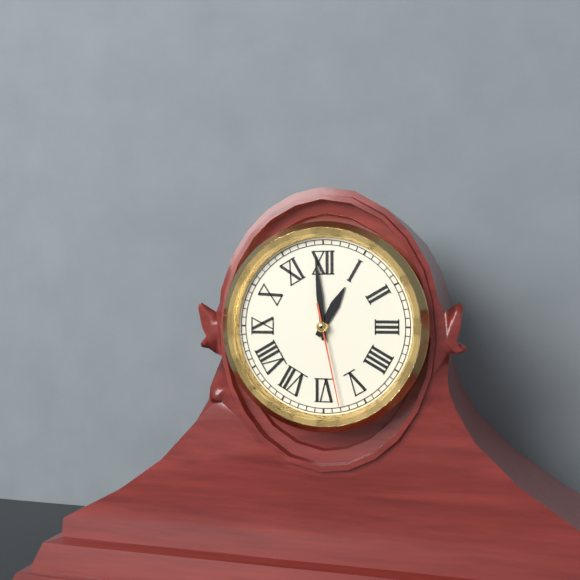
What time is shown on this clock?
12:59:28
